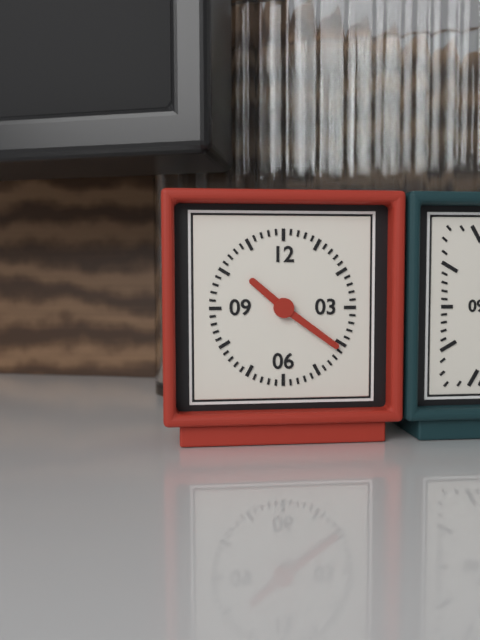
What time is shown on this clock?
10:21
